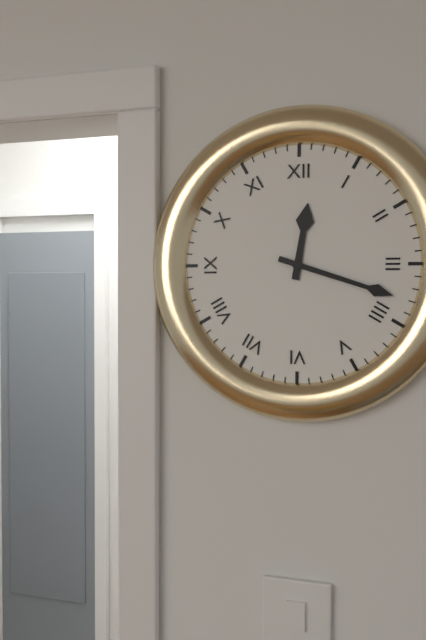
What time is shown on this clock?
12:18
